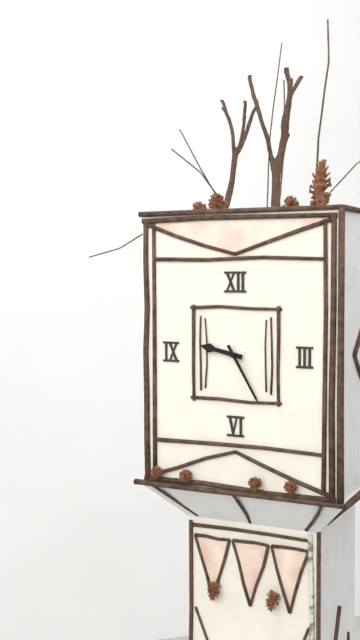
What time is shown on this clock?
9:25
